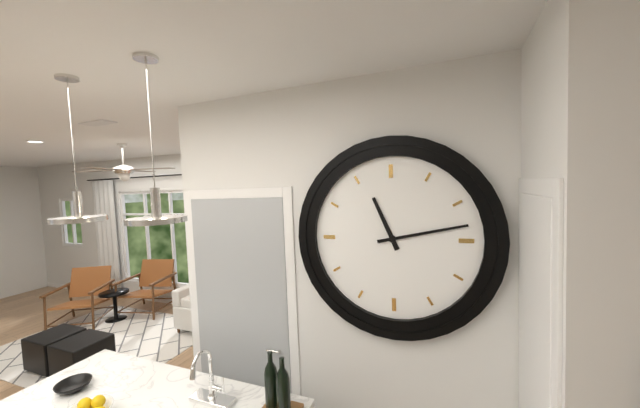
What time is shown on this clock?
11:13
